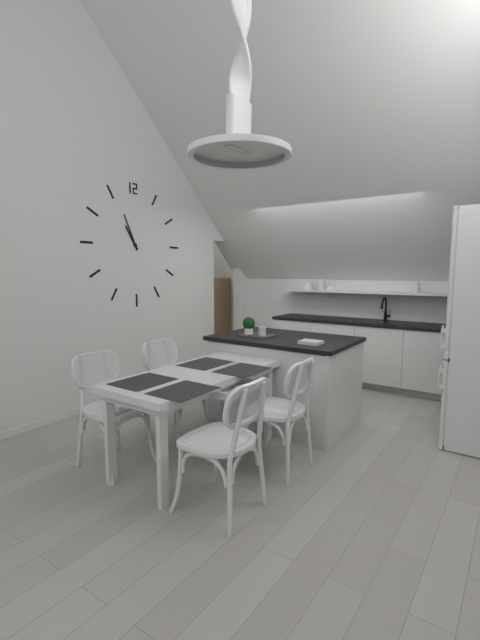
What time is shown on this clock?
10:56
